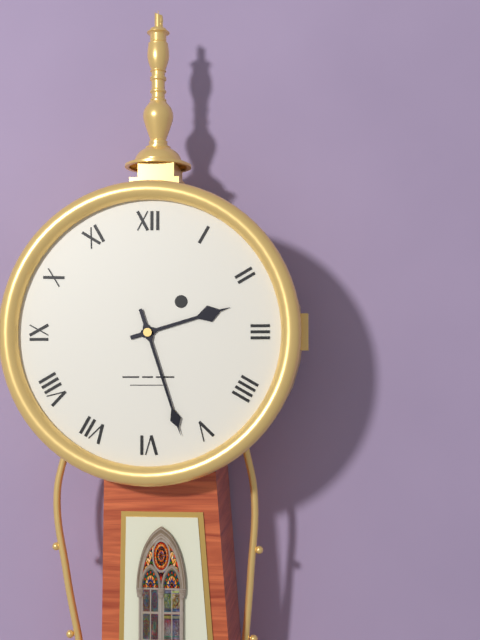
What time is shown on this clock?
2:27
